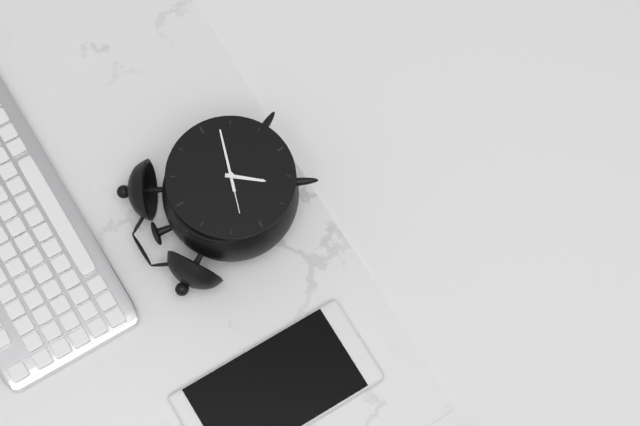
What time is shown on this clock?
7:18
